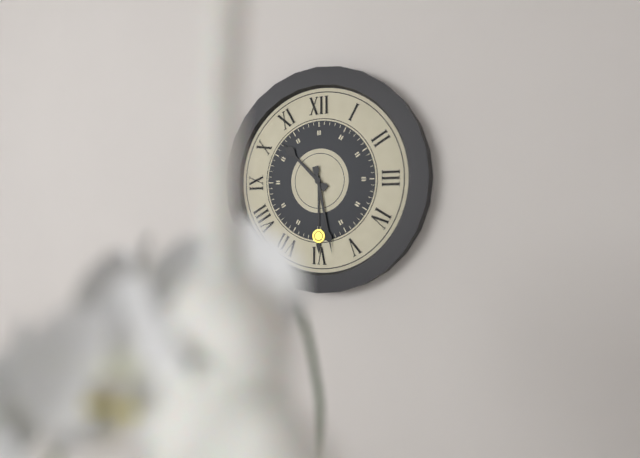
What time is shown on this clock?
10:28
